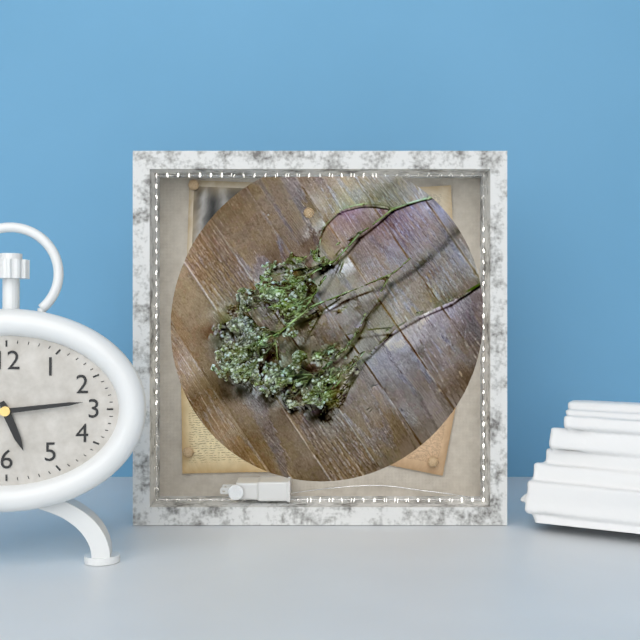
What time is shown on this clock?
5:14
